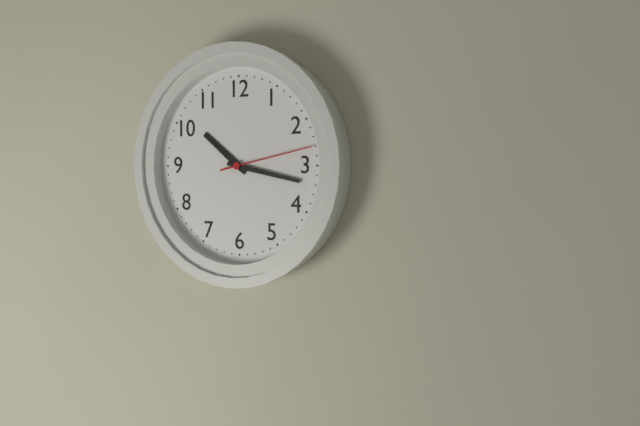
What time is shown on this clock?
10:17:13
